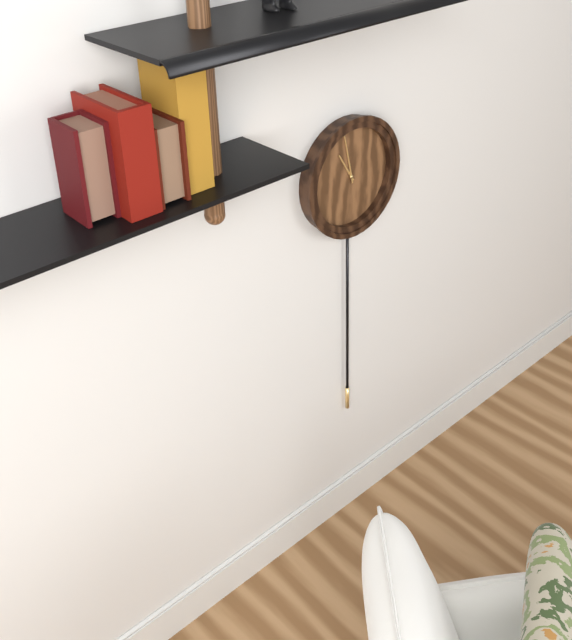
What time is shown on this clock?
10:58
